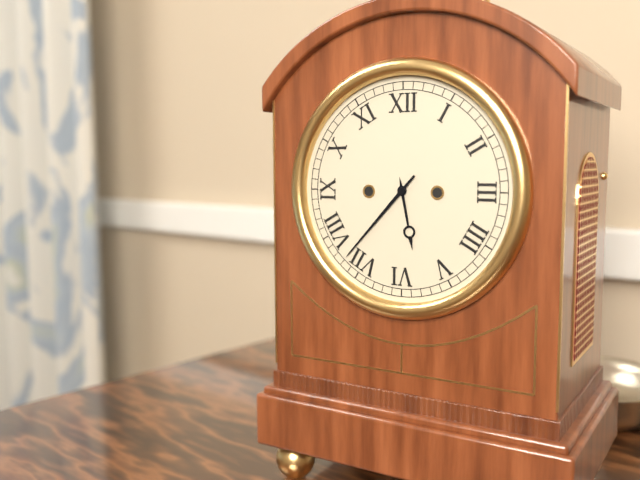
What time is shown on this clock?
5:37
